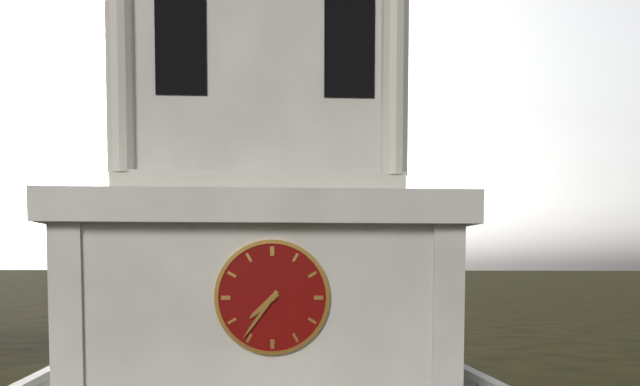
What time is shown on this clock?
7:36
